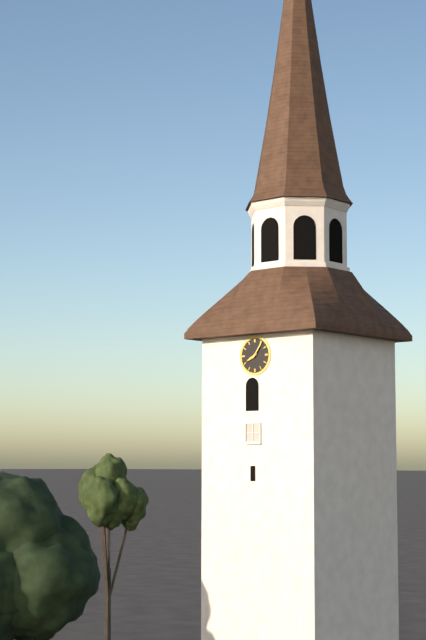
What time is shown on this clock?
8:06
